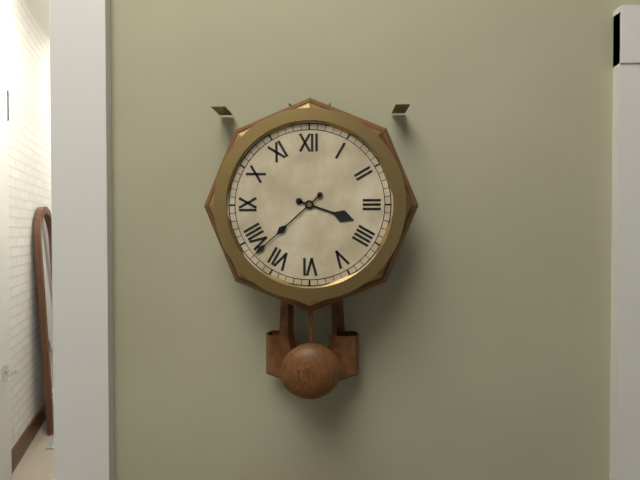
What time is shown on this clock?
3:38
